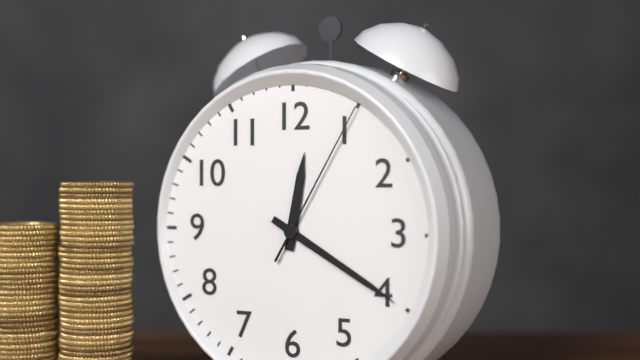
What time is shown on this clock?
12:20:05
